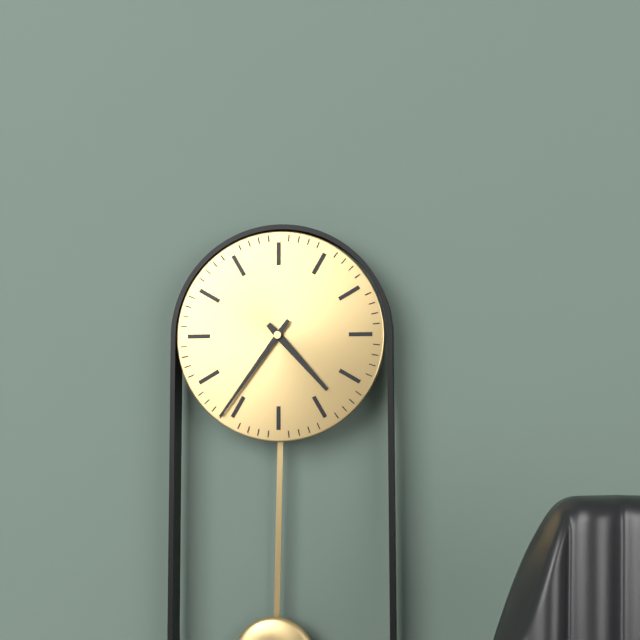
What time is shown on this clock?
4:36
